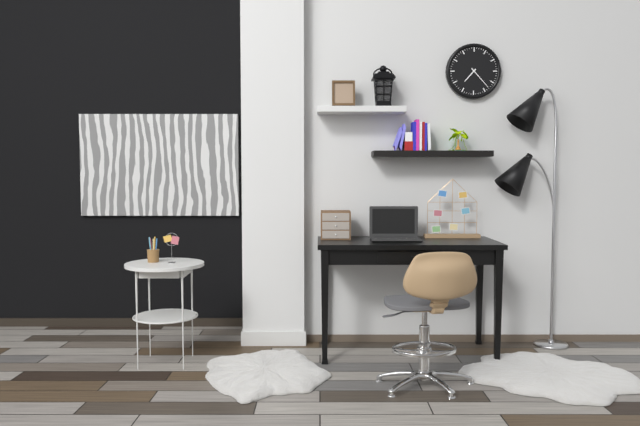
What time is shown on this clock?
7:23
